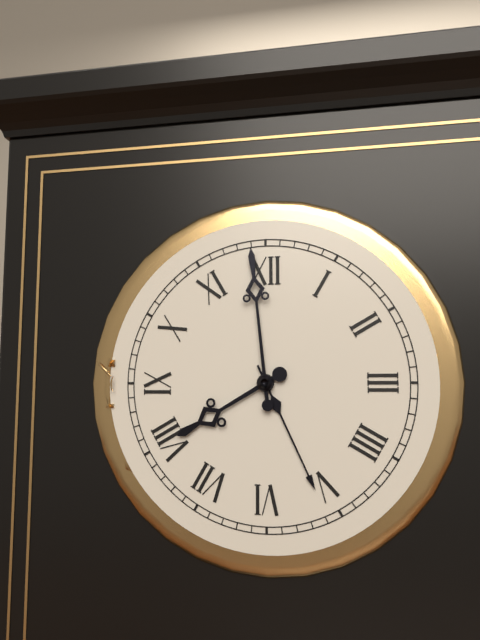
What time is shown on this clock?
7:59
